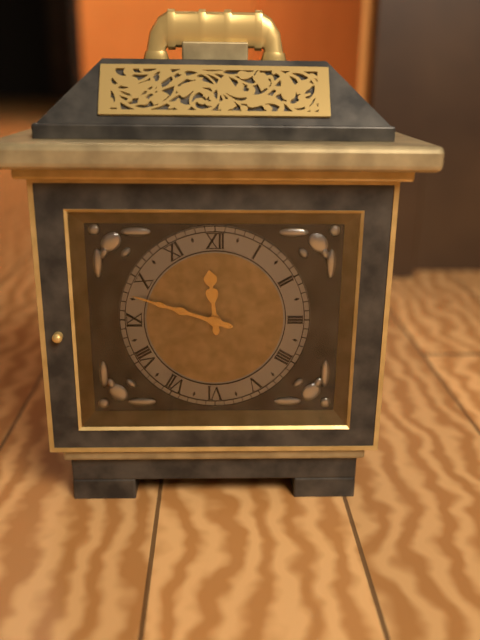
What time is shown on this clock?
11:48
